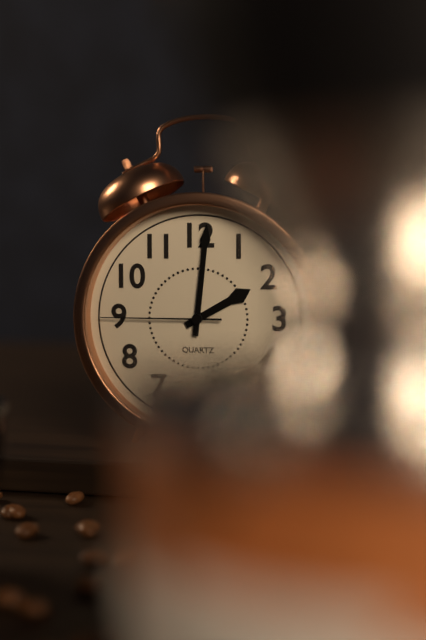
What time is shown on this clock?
2:01:45
